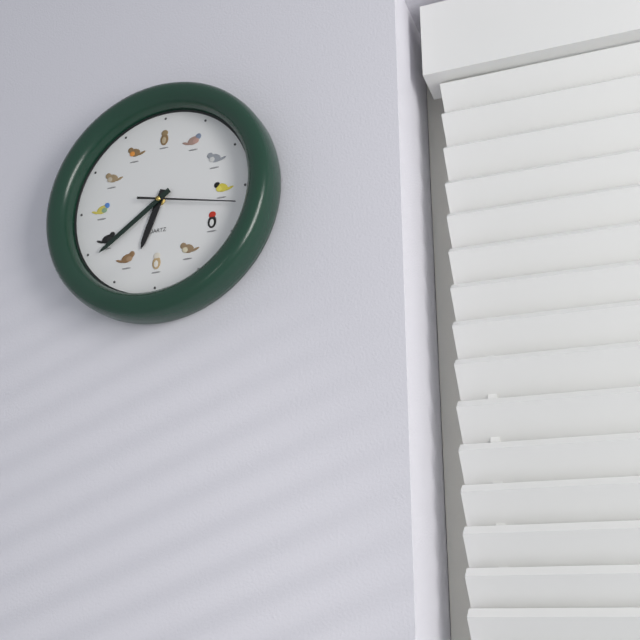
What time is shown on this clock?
6:39:17
